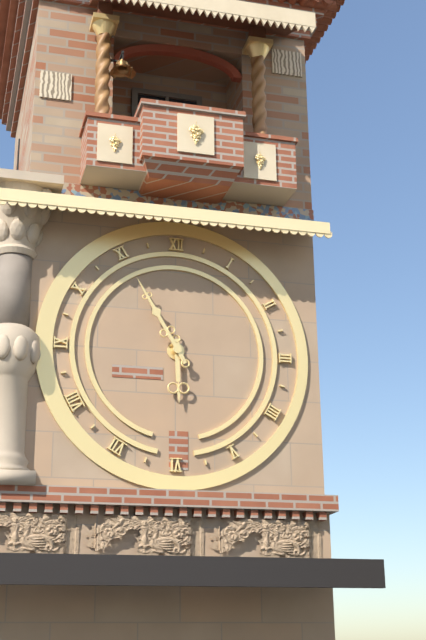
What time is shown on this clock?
5:55
